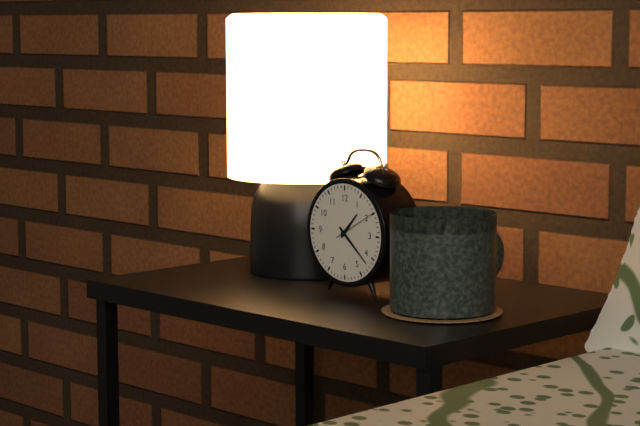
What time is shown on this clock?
1:22
